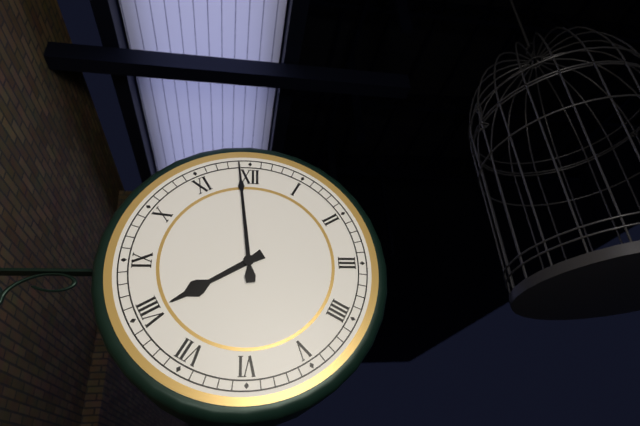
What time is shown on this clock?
7:59
